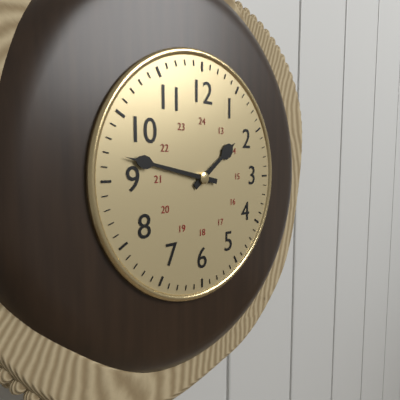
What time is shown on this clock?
1:47
